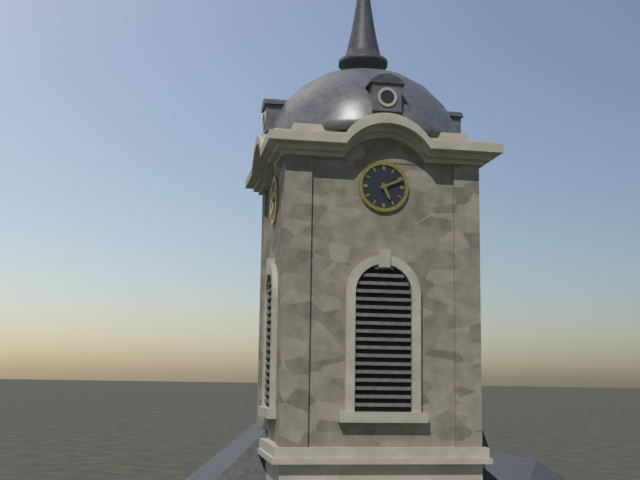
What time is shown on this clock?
5:11
